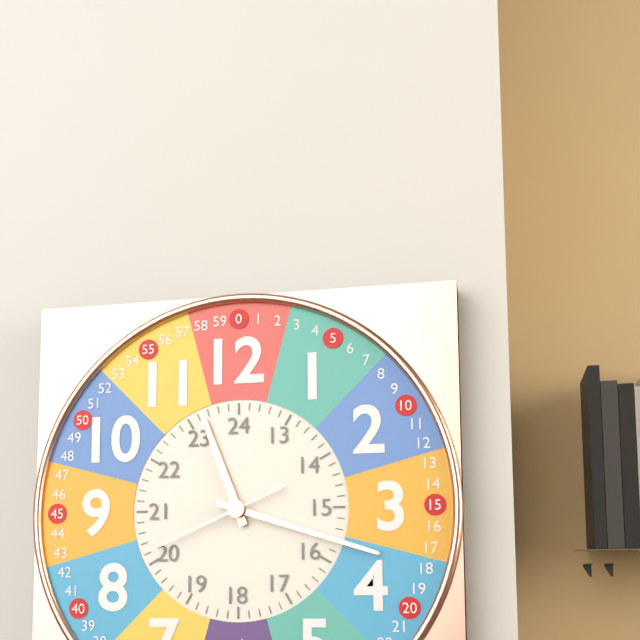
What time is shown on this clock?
11:18:41
